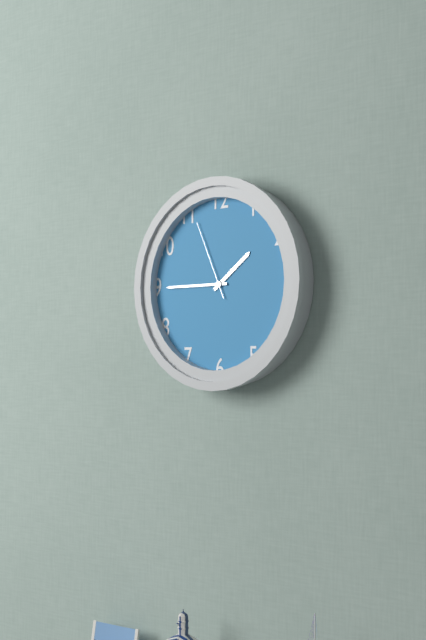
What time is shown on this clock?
1:45:56
